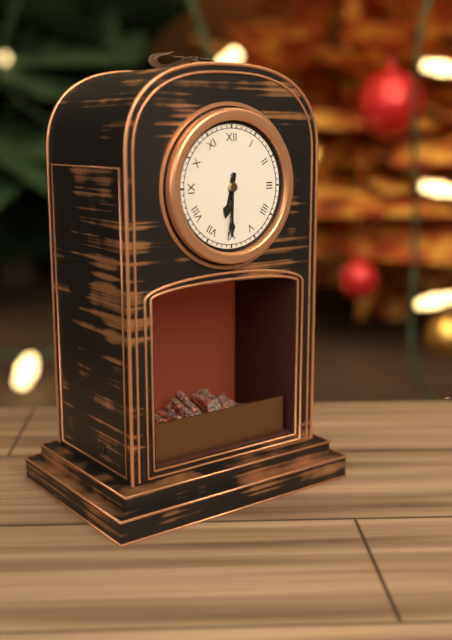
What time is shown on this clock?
6:30:31
